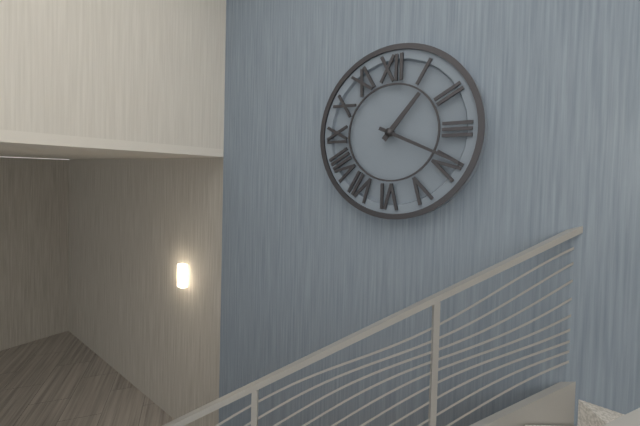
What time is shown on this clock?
1:19
